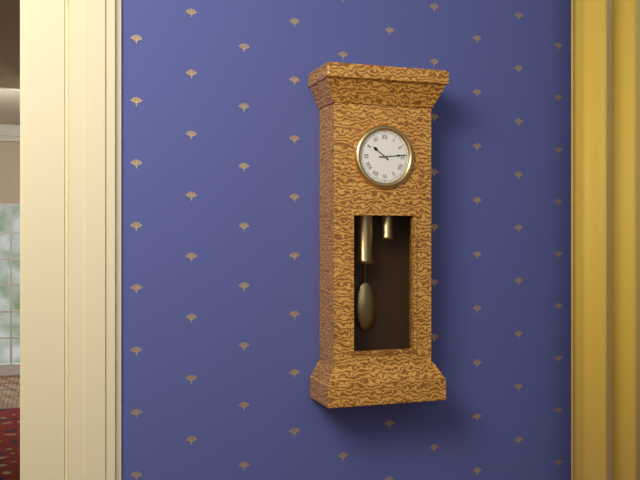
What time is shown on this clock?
10:14
